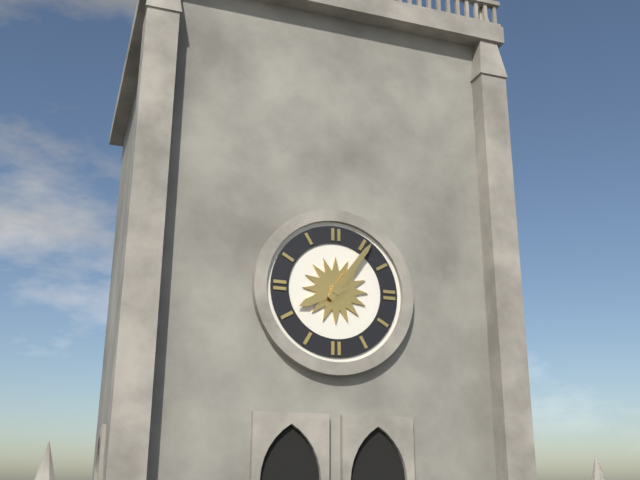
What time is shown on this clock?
8:06
